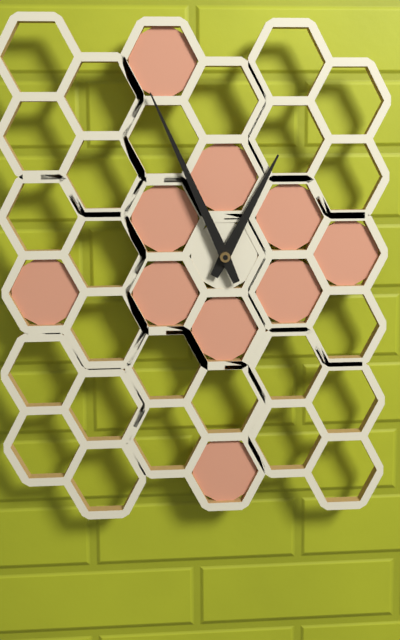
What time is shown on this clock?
12:56
